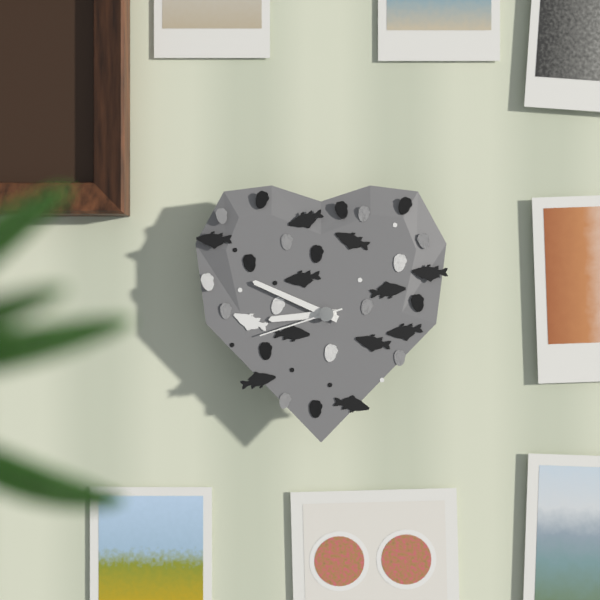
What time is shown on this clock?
8:49:42
